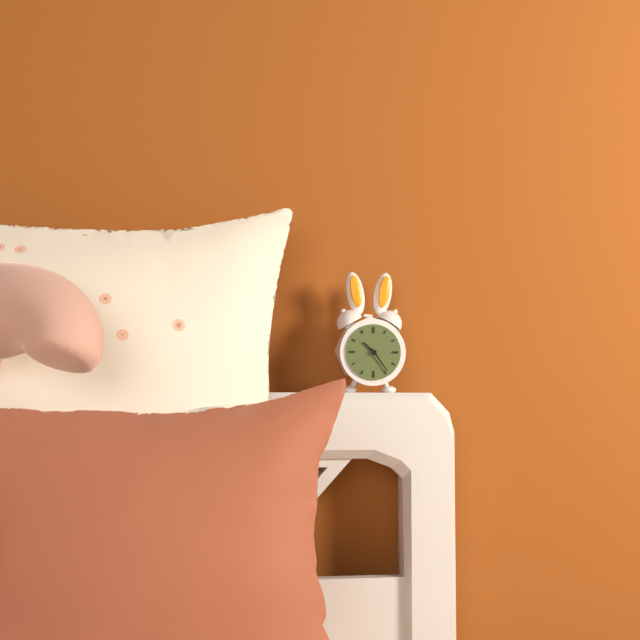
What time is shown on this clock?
10:24
